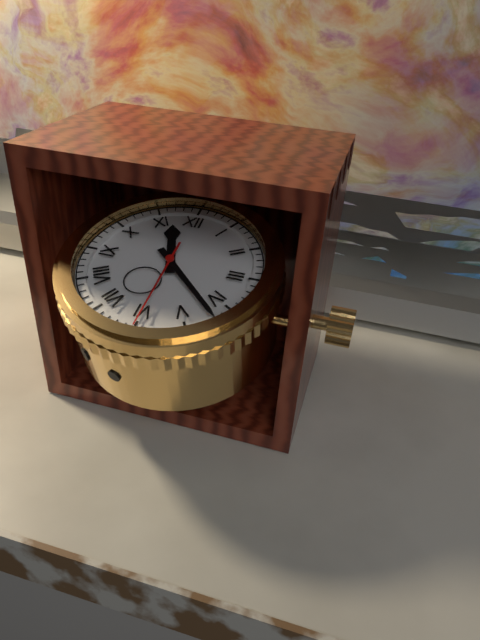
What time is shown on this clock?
11:22:30
